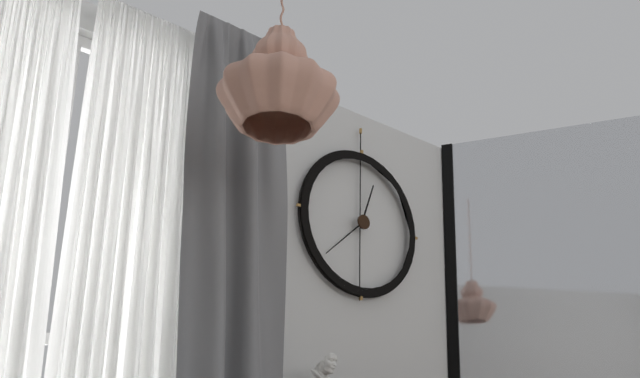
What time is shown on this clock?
12:38
